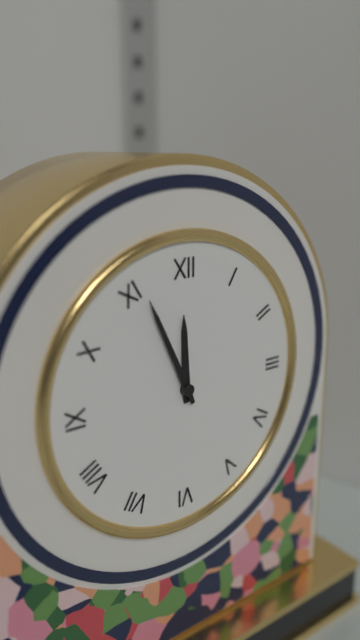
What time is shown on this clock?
11:56
